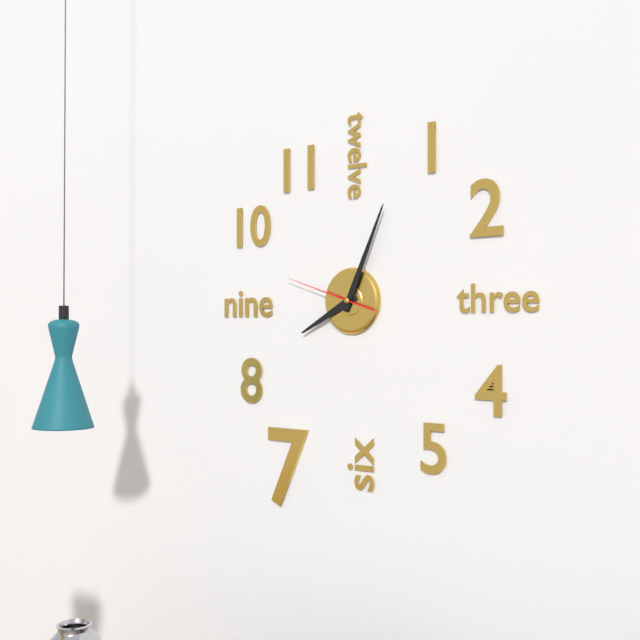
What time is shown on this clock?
8:04:48
